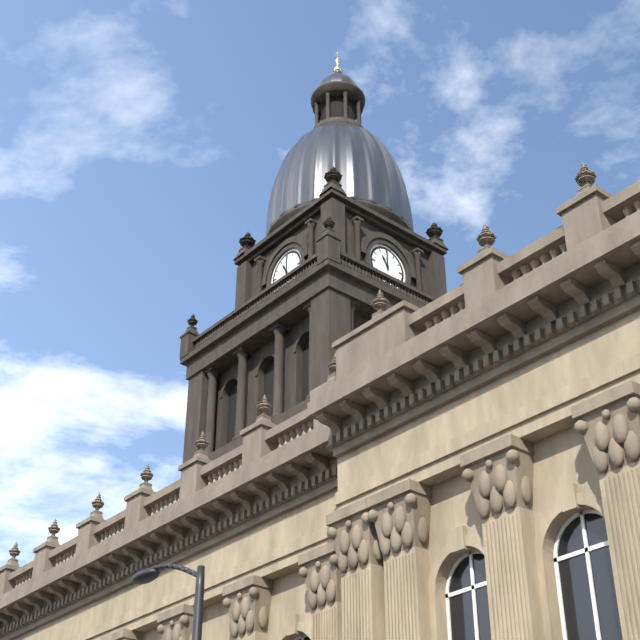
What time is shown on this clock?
11:00
